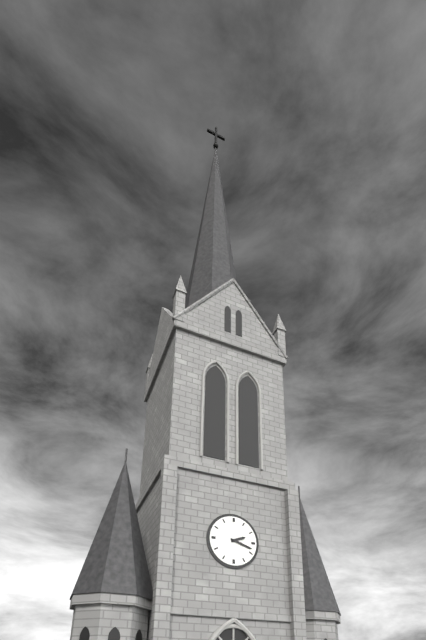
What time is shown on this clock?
2:18
